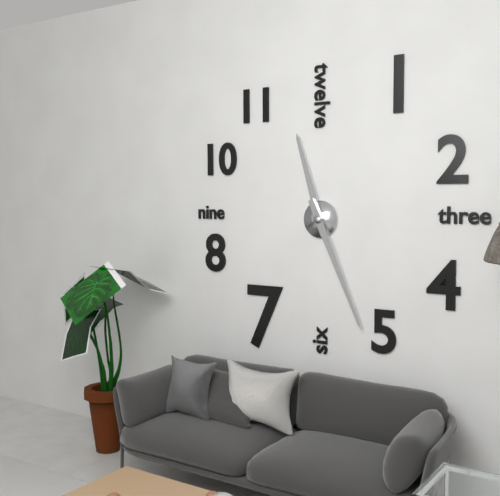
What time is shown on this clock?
11:26
